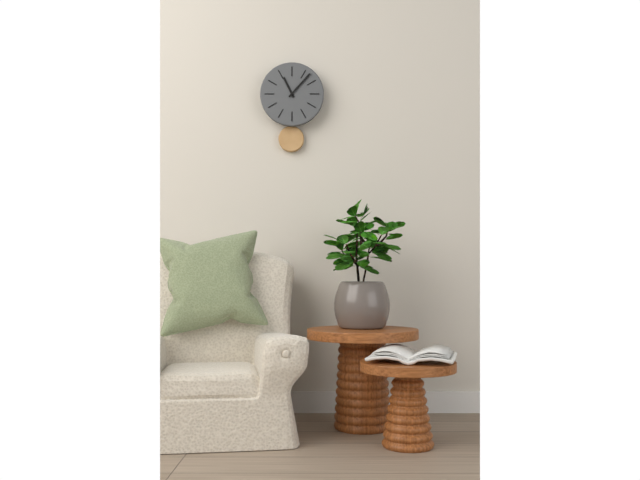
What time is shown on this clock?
11:07
